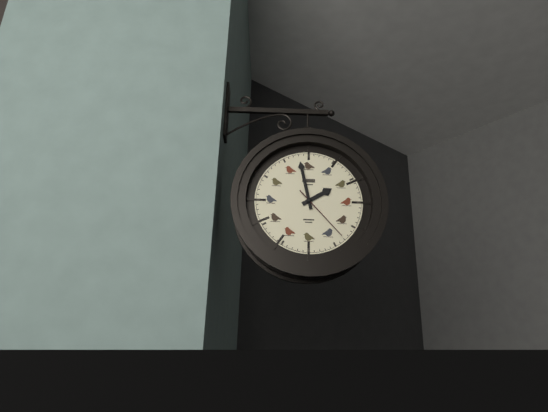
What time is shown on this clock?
1:58:23
